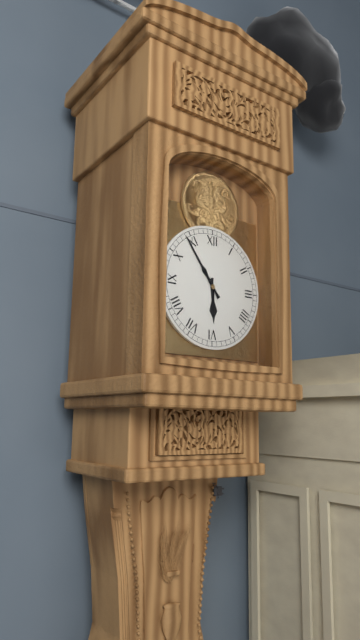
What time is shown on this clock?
5:54
